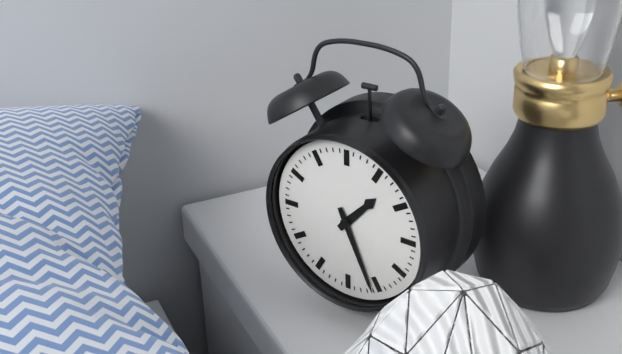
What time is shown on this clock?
1:26
